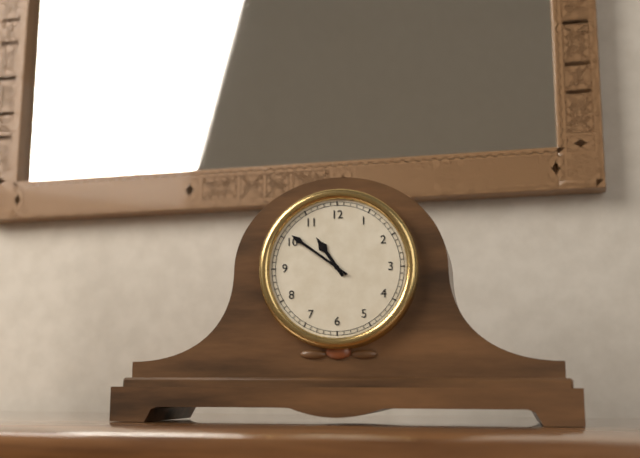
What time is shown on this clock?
10:51
